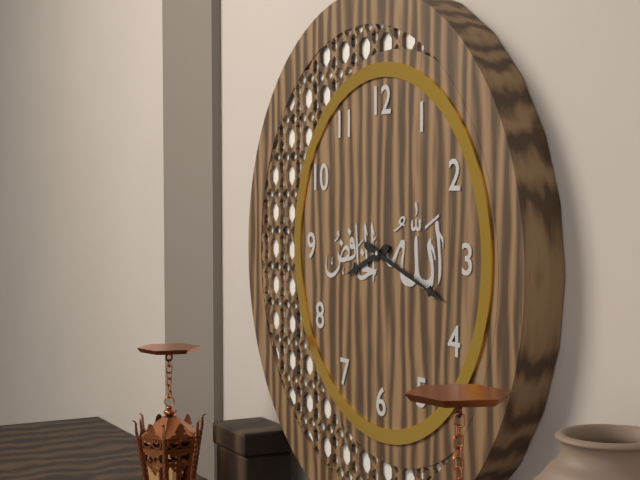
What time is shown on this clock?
8:18
